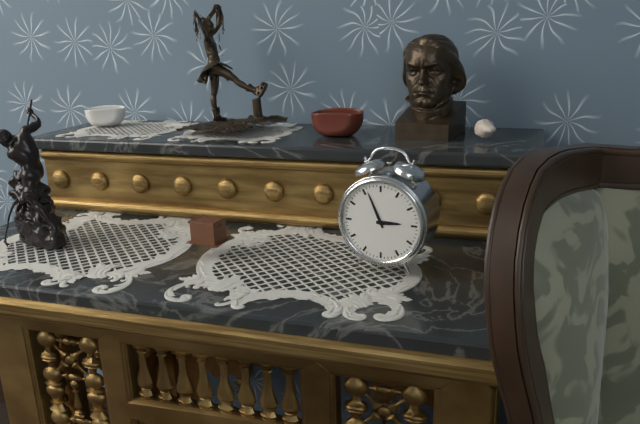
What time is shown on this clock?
2:56
